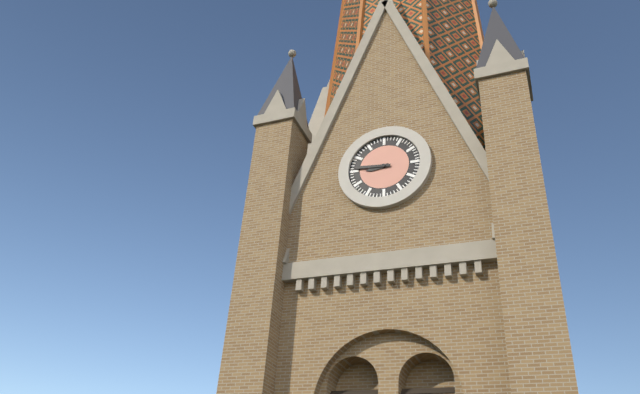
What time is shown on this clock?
8:46
